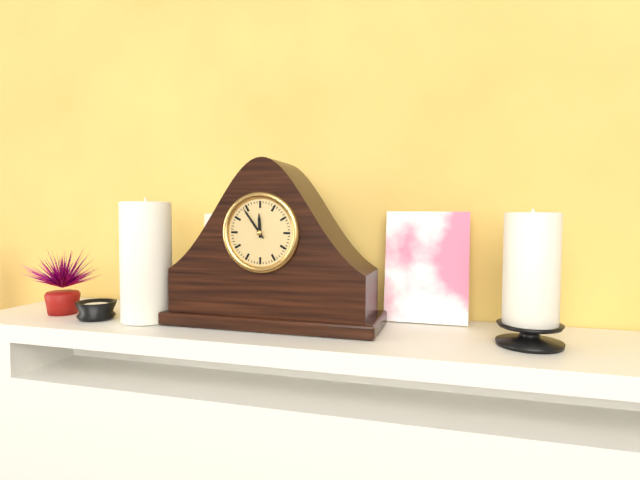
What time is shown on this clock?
11:54
